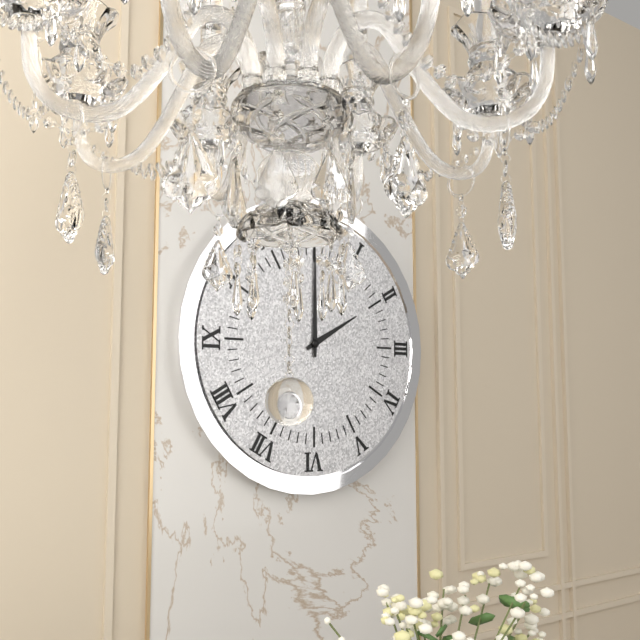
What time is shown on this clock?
2:00
